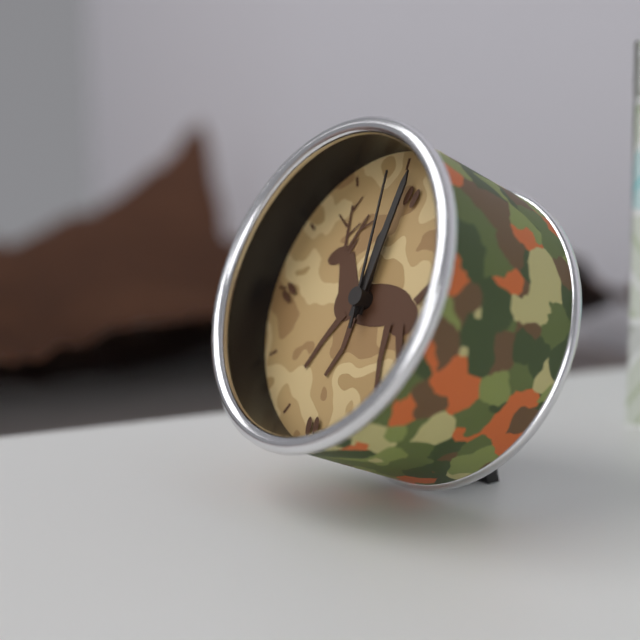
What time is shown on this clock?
12:01:59
